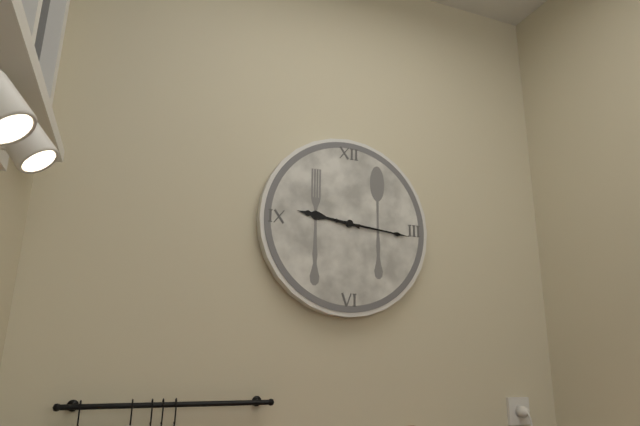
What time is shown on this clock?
9:16
